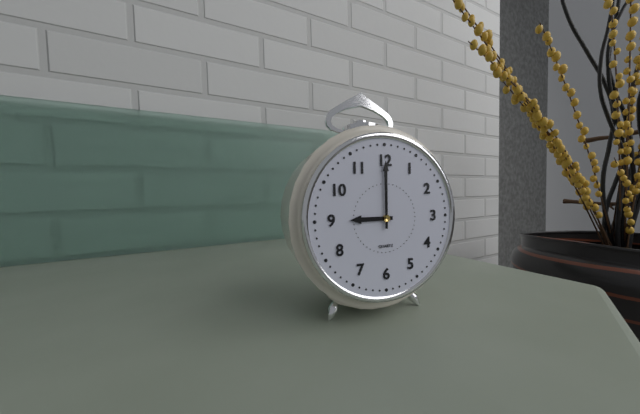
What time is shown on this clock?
9:00
